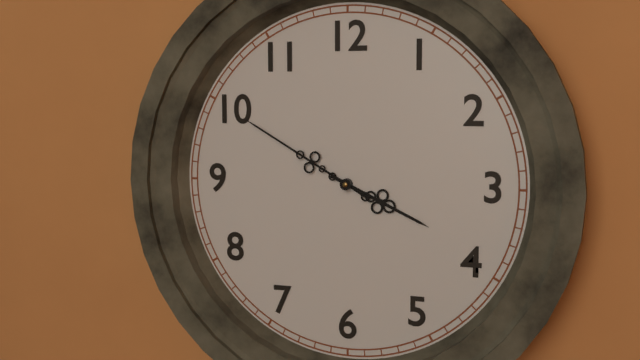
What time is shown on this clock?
3:50
